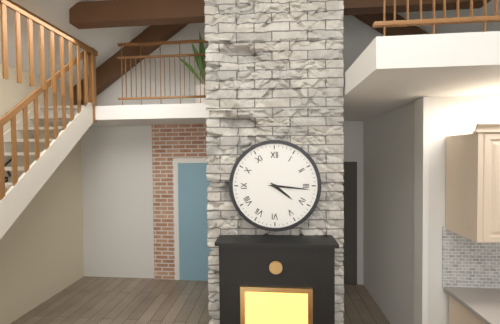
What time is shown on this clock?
4:16
